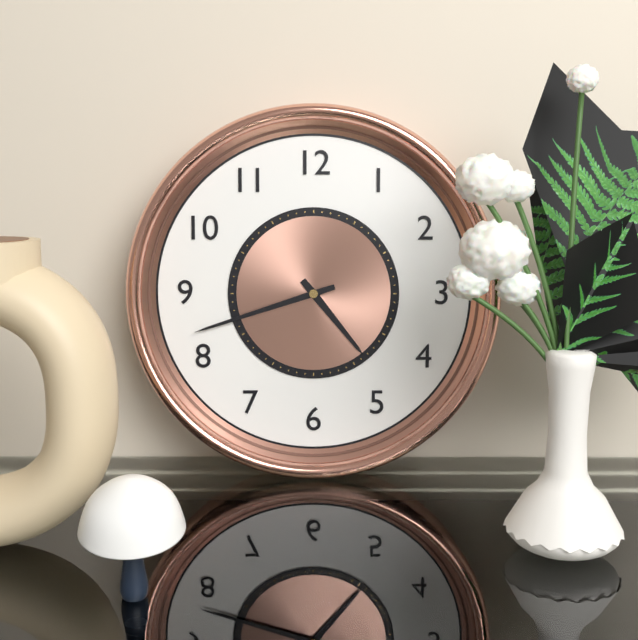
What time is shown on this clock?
4:42
